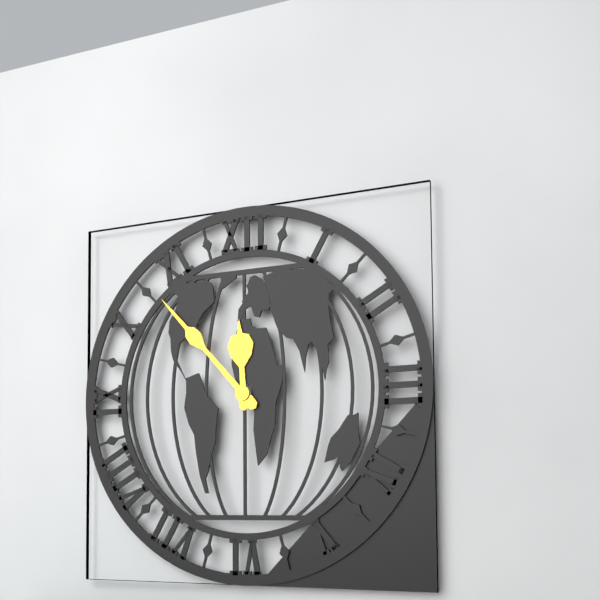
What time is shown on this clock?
11:53
